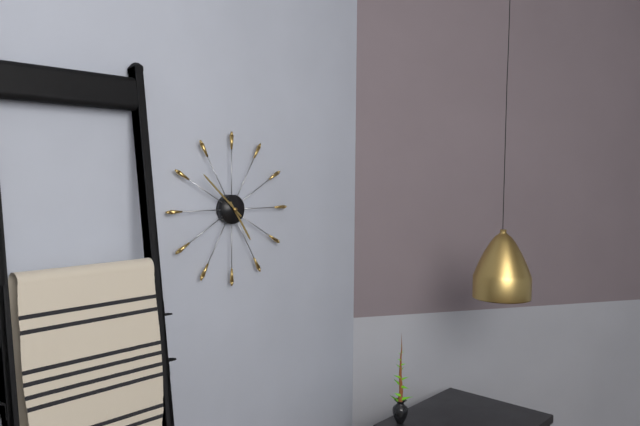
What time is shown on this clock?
4:52
